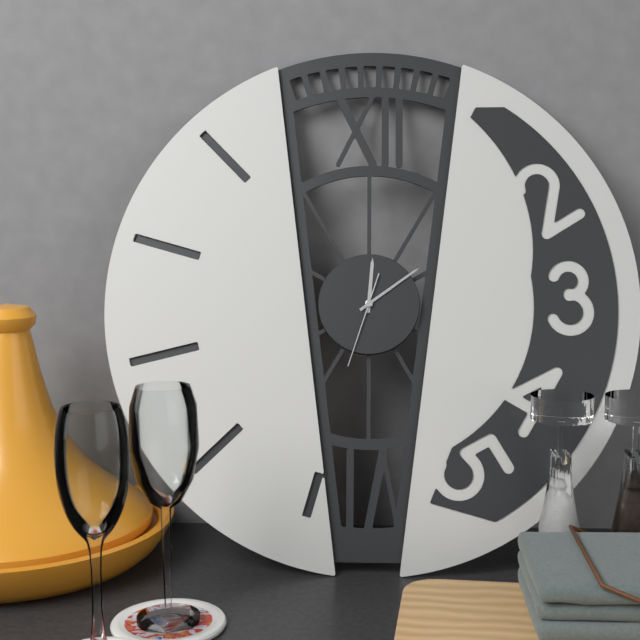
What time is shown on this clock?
12:09:33
